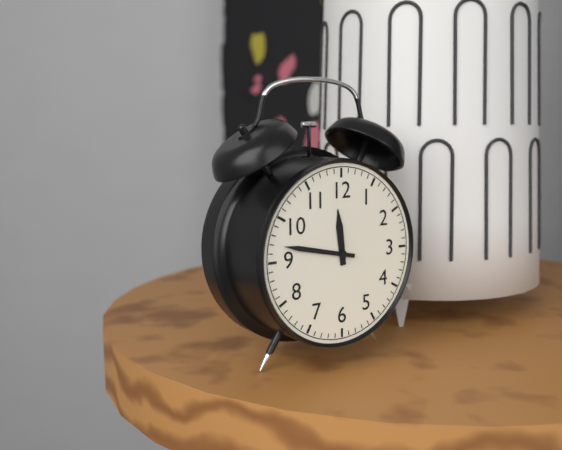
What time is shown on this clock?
11:47
